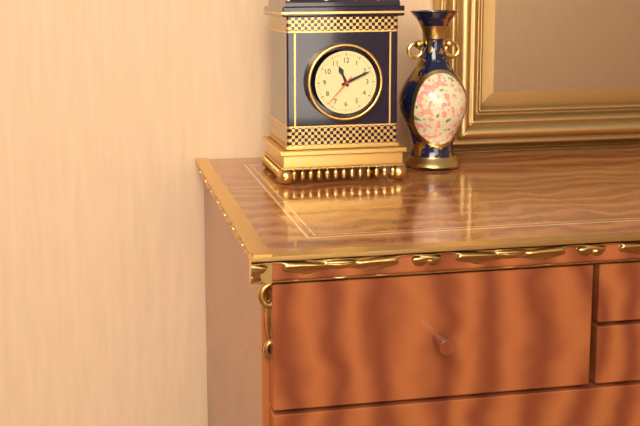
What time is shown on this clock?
11:11
